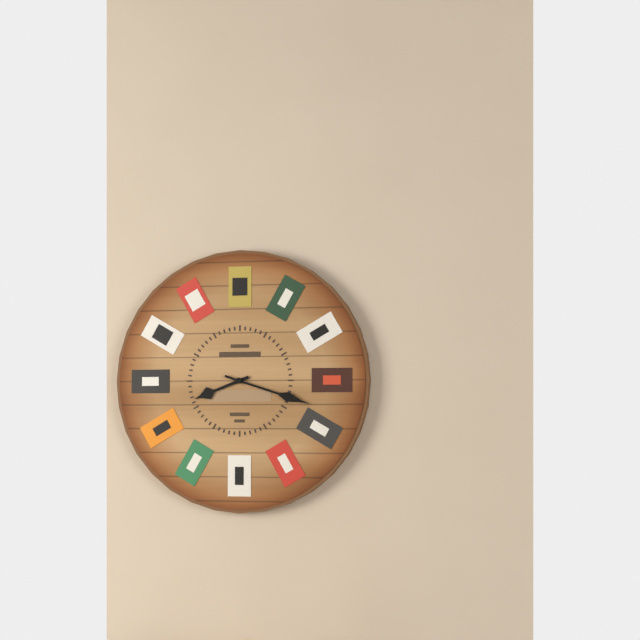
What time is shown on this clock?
8:18
